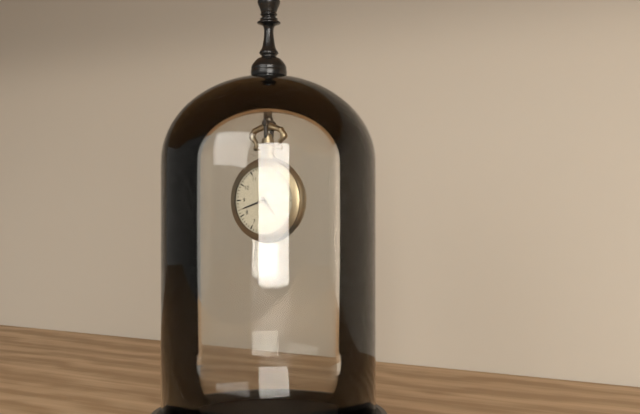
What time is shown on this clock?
4:42
